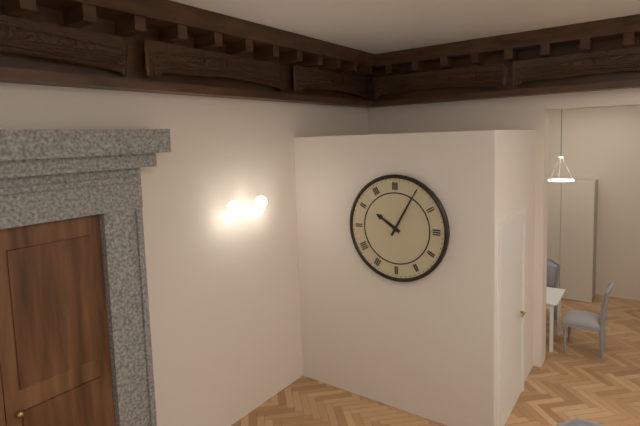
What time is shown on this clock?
10:05
